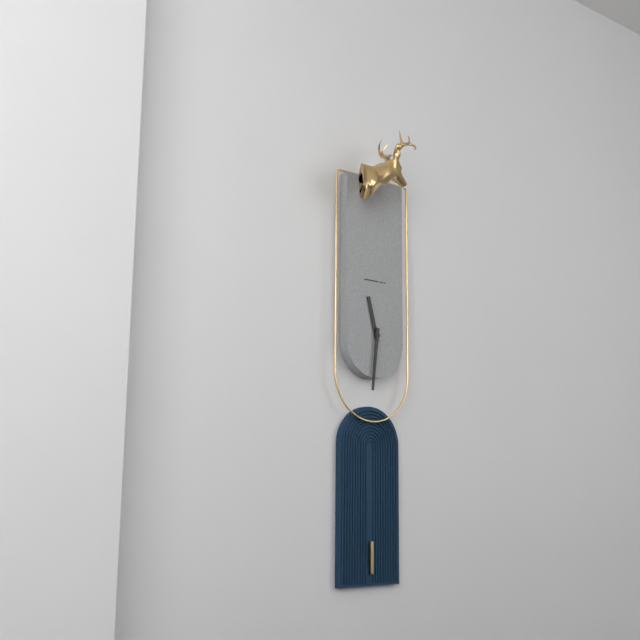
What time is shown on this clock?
11:31
